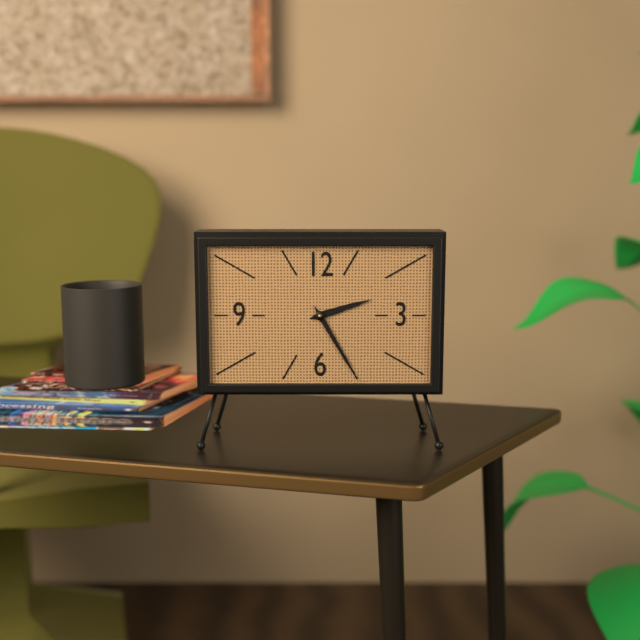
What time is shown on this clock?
2:25
